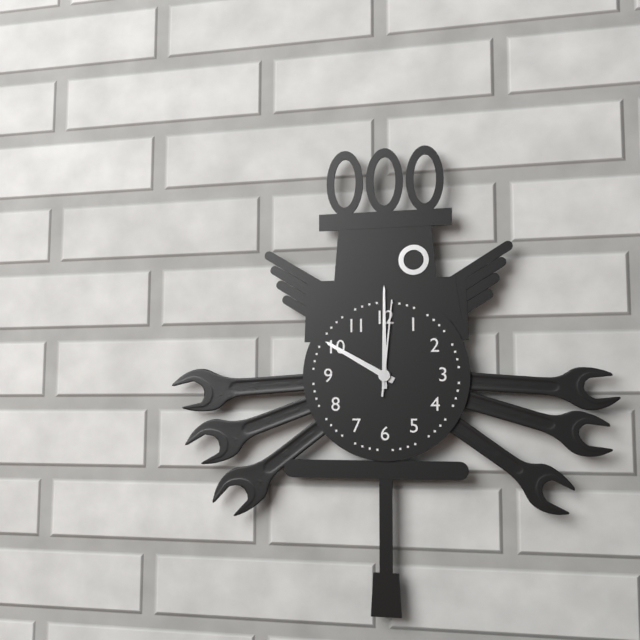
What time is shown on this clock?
10:00:01
